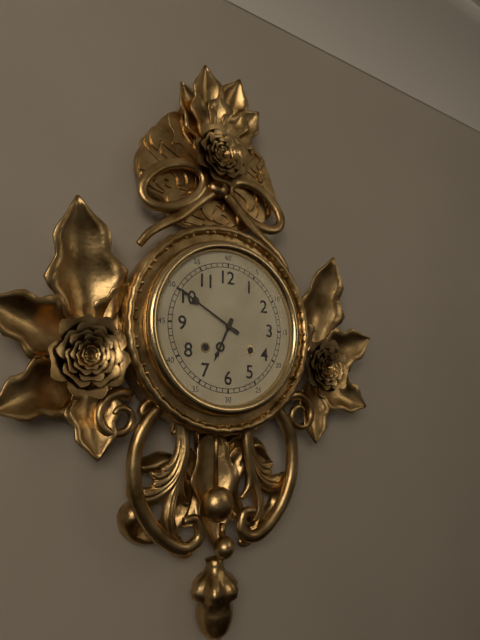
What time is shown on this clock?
6:50
